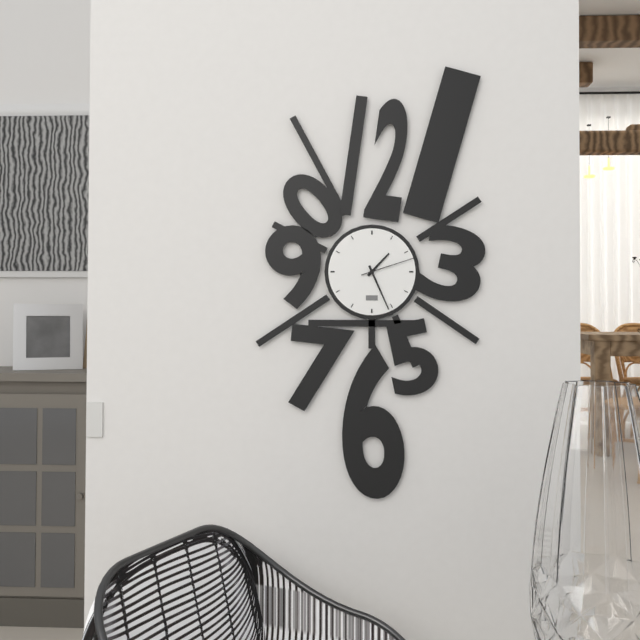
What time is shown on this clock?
1:26:12
